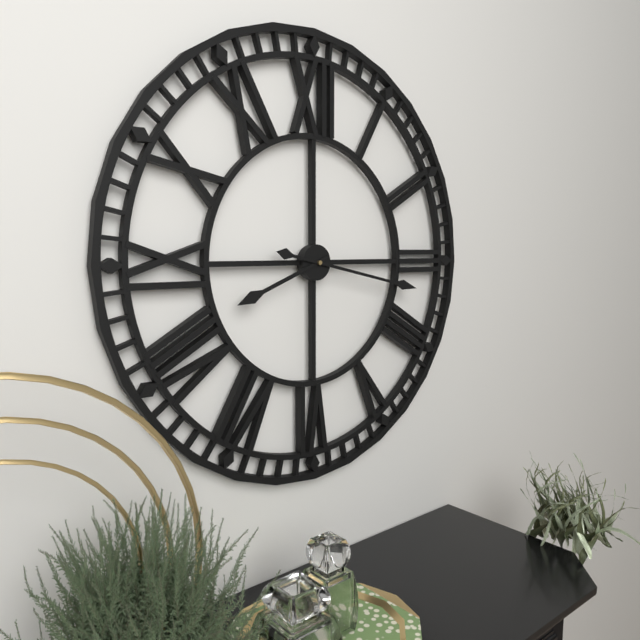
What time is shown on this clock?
8:17
